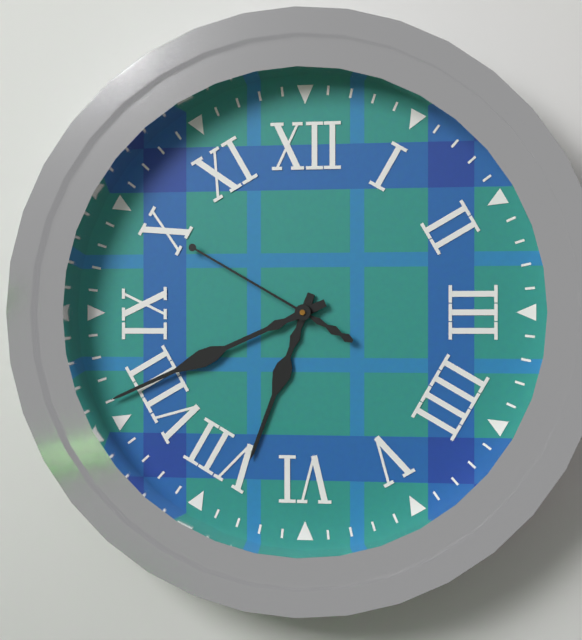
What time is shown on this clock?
6:41:50
